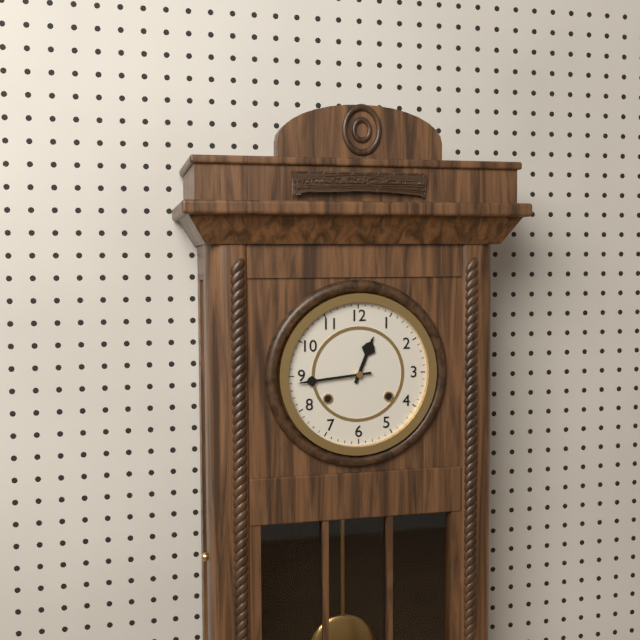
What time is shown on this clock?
12:44
